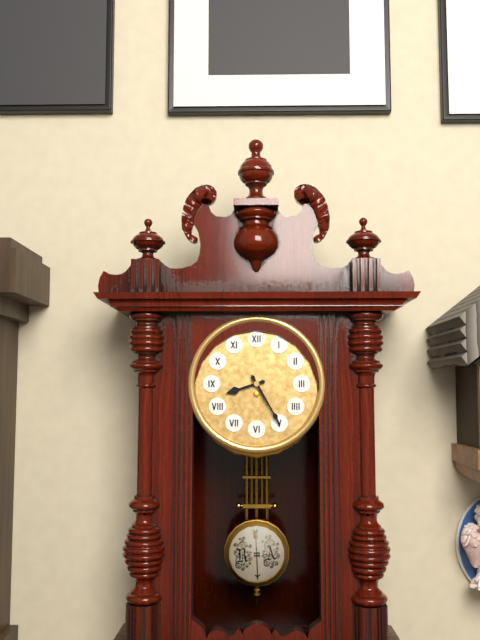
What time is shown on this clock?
8:25
